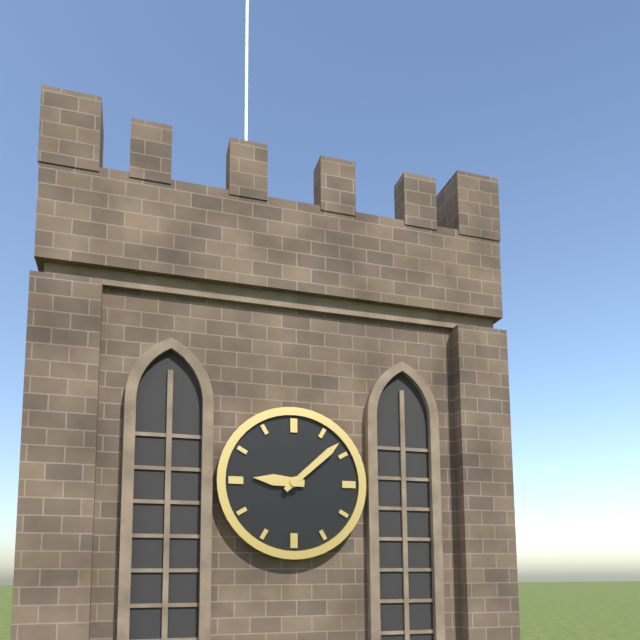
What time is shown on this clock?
9:08
